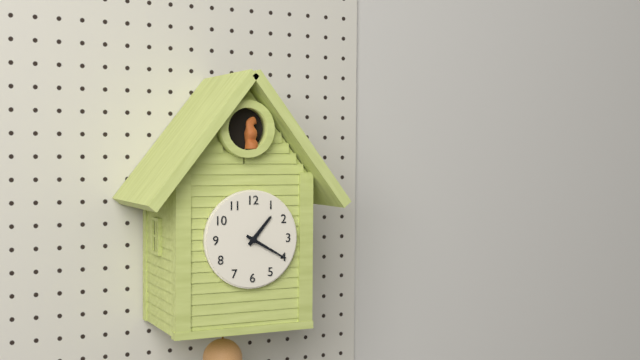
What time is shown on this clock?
1:20
